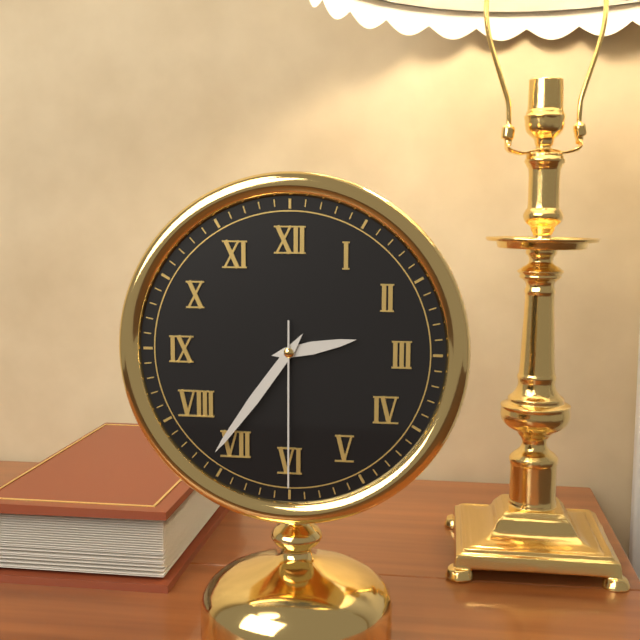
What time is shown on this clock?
2:36:30
